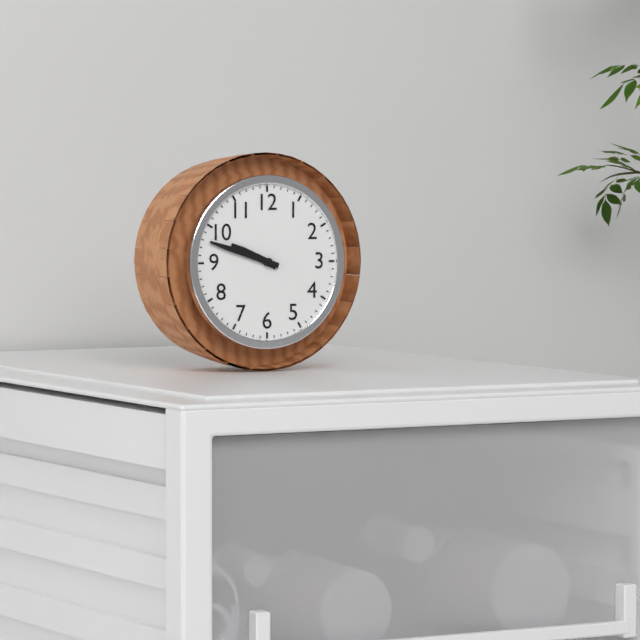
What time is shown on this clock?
9:48
